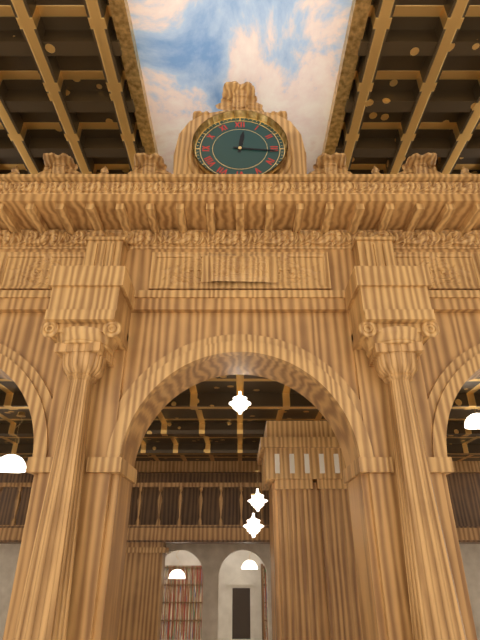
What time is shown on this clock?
12:16
